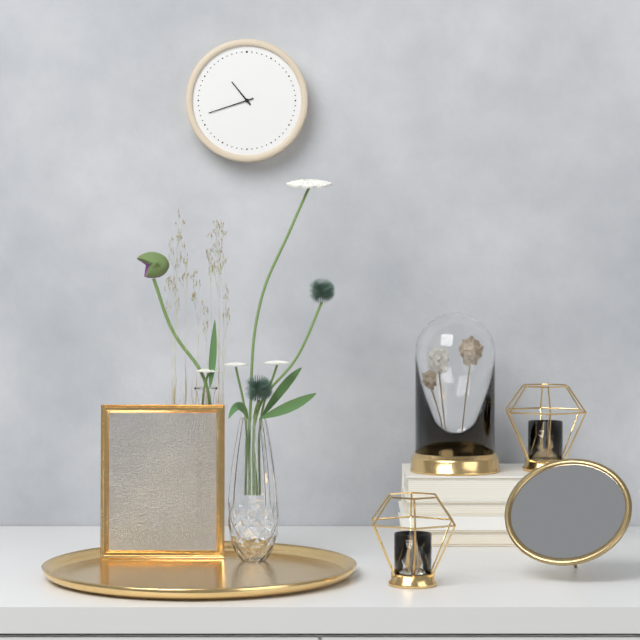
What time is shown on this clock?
10:42
